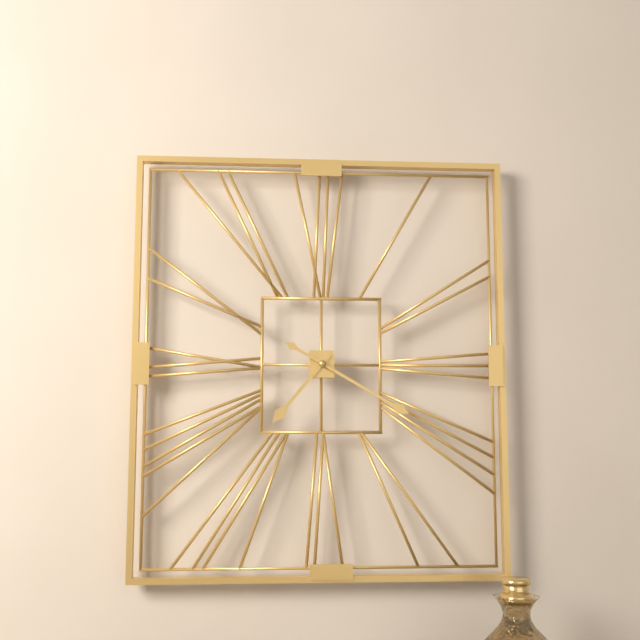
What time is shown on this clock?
7:20
